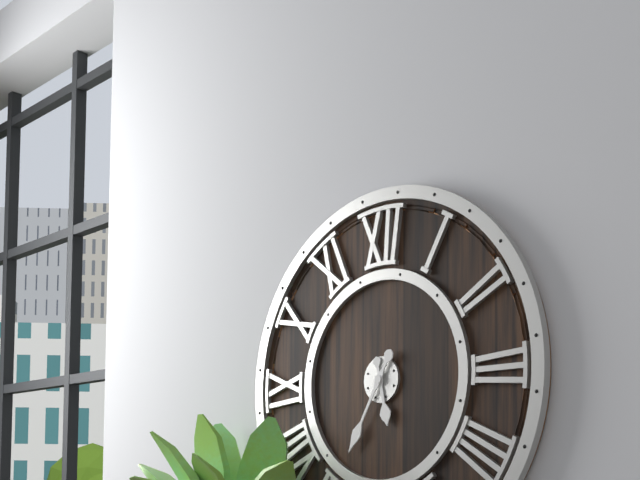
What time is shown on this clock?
5:35
